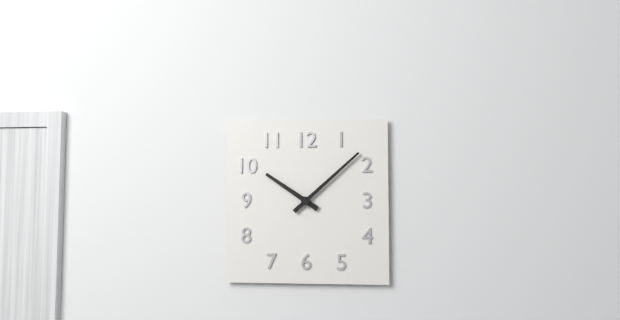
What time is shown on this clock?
10:08
